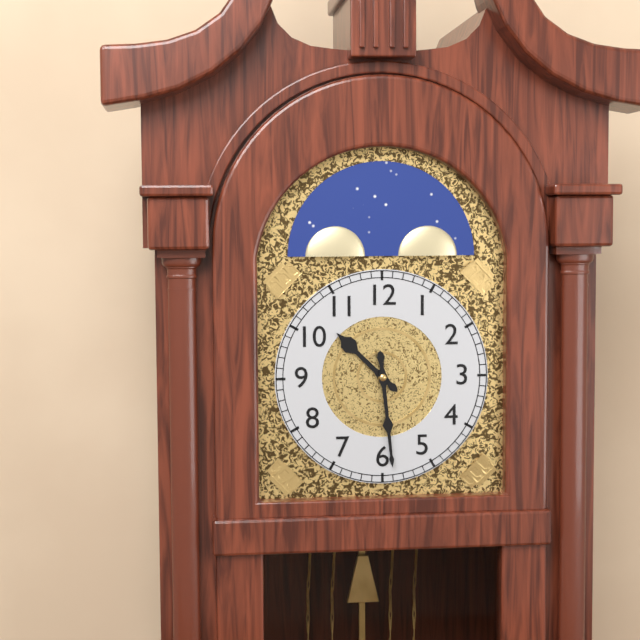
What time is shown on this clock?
10:29
